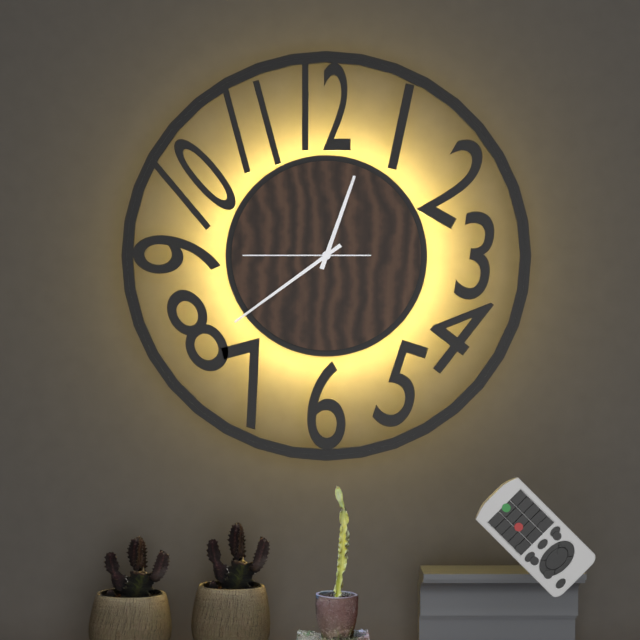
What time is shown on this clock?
12:39:45
